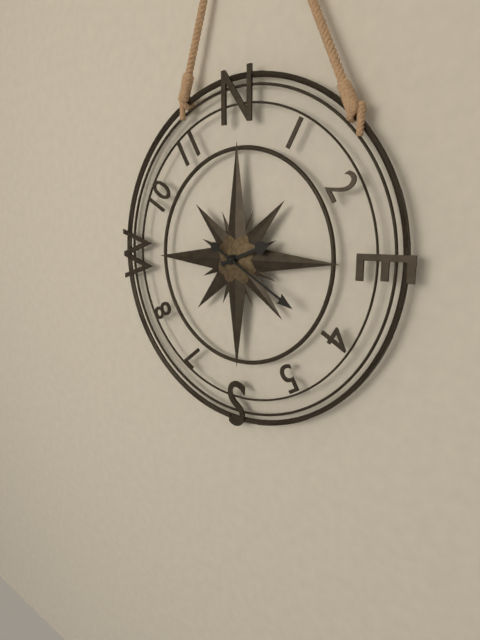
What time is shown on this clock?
2:20
